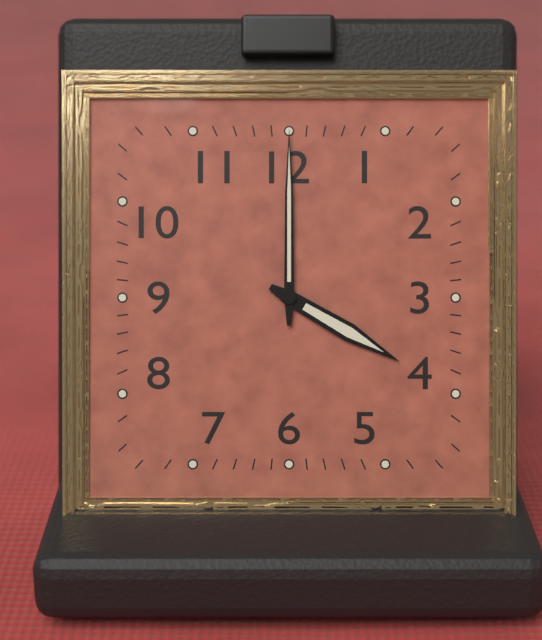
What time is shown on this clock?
4:00
